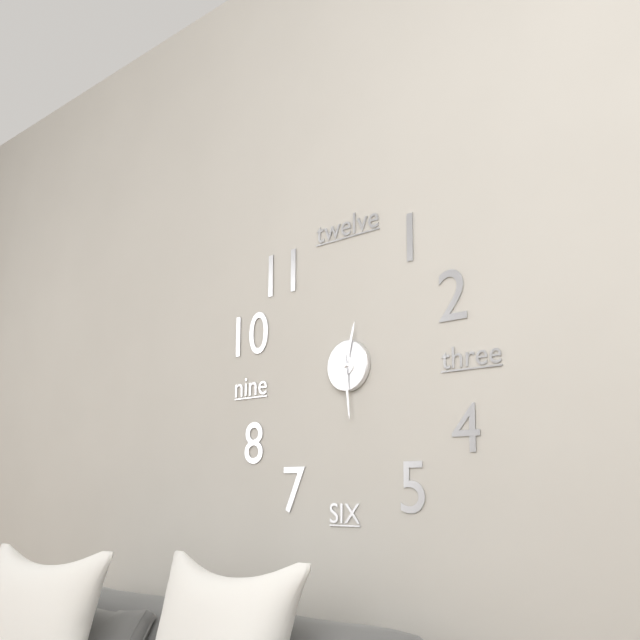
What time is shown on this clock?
12:29
